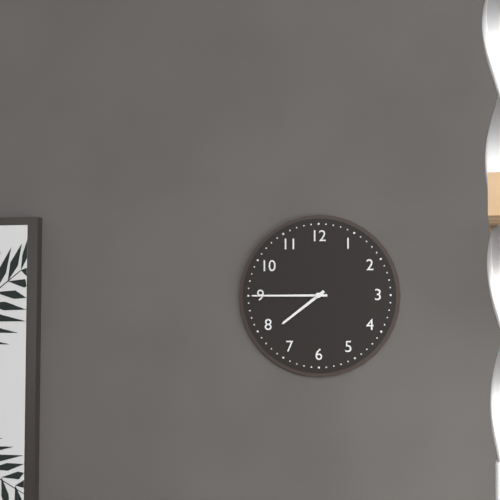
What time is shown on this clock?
7:45
